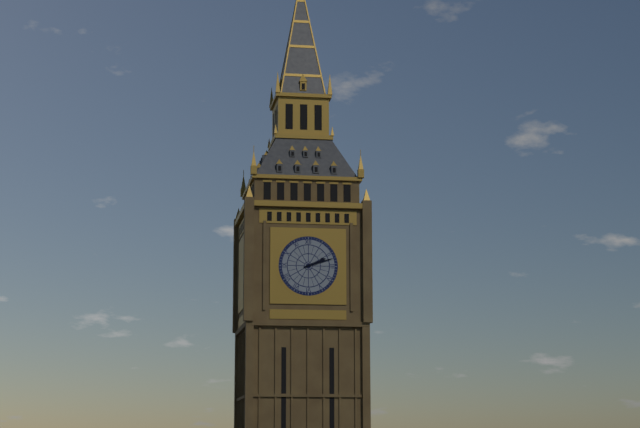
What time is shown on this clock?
2:12
